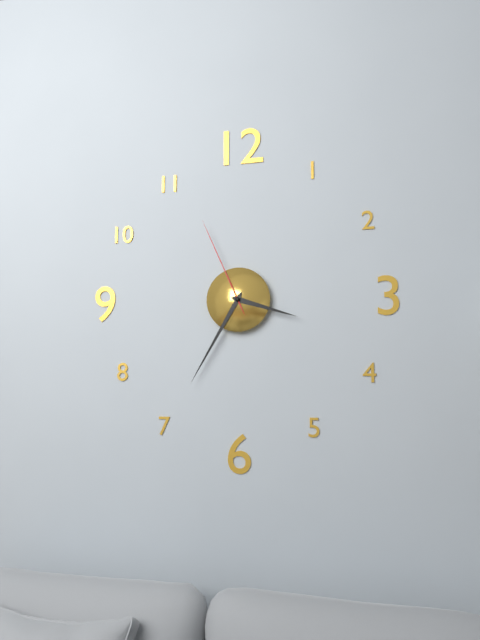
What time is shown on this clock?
3:35:56
